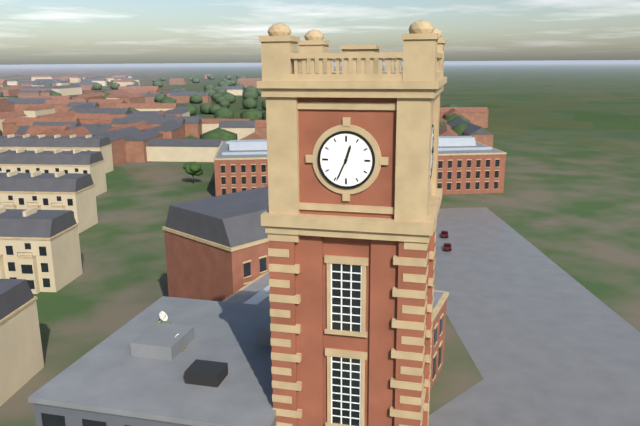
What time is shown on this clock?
12:34
